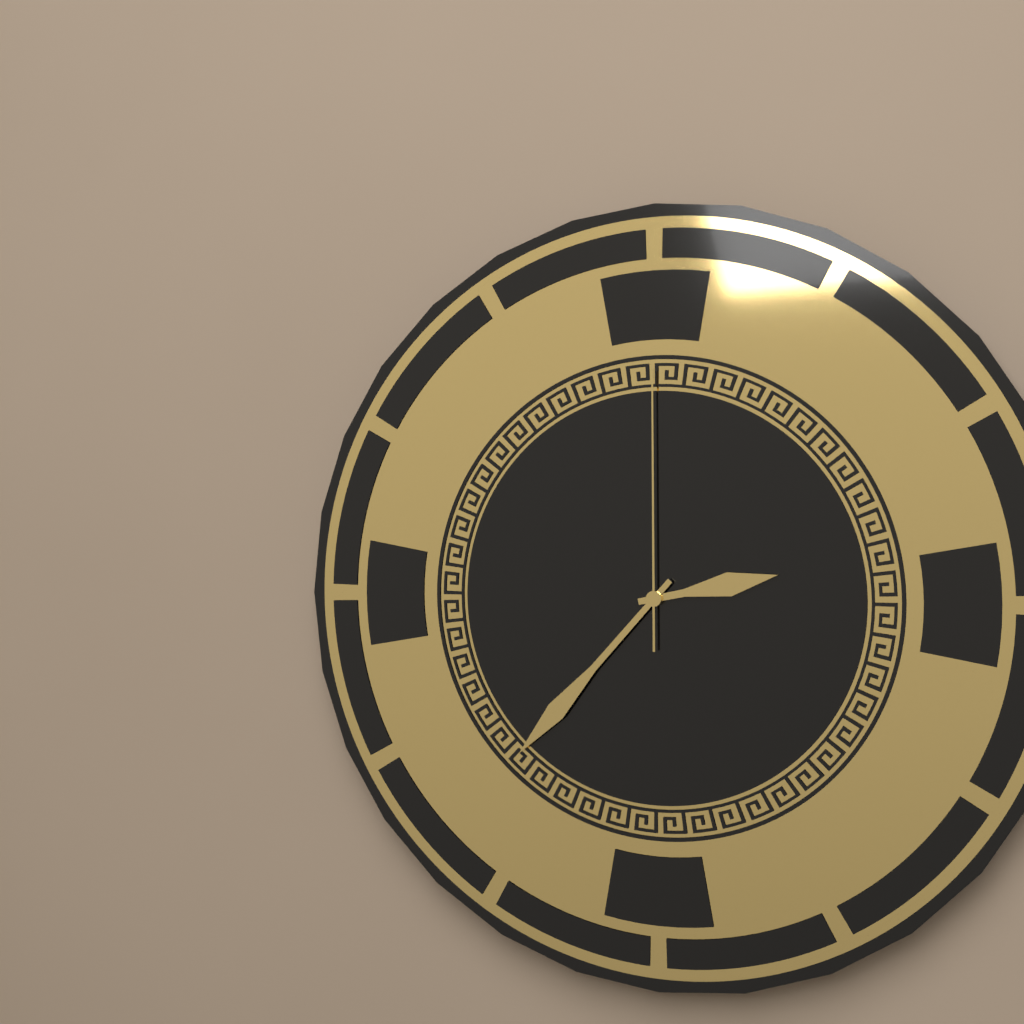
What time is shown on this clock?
2:37:00
